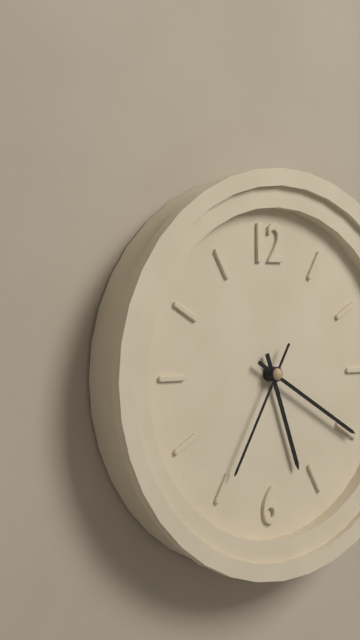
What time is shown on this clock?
5:20:35
